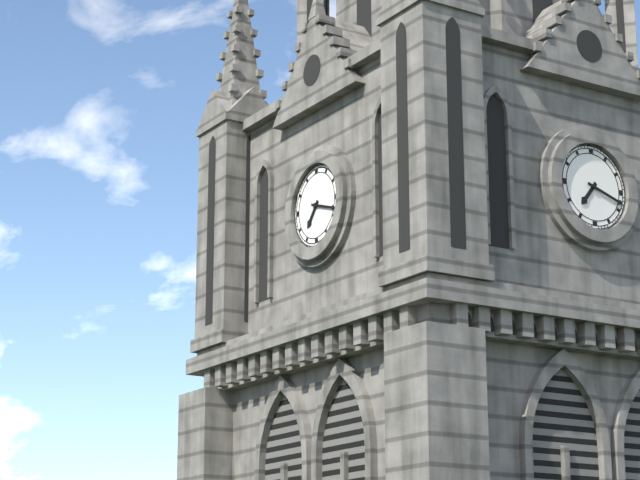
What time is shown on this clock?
7:18
